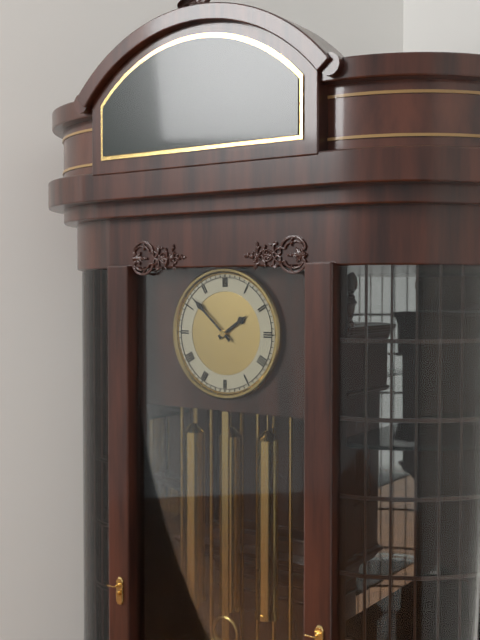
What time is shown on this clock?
1:52
